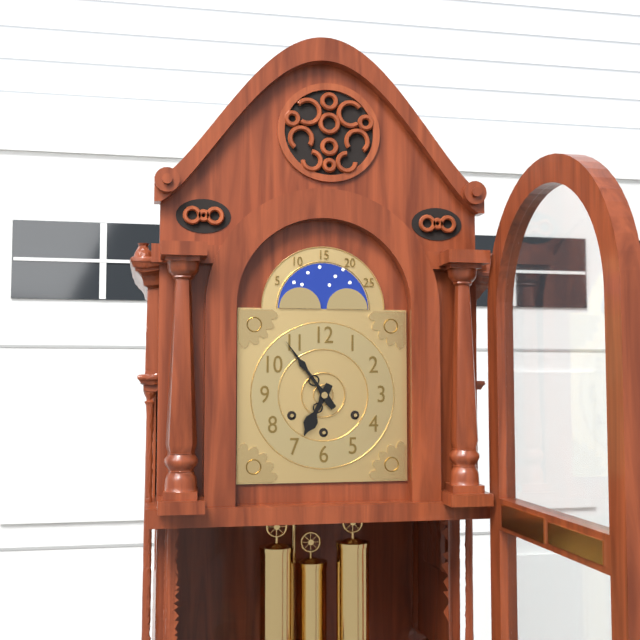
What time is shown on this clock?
6:54
